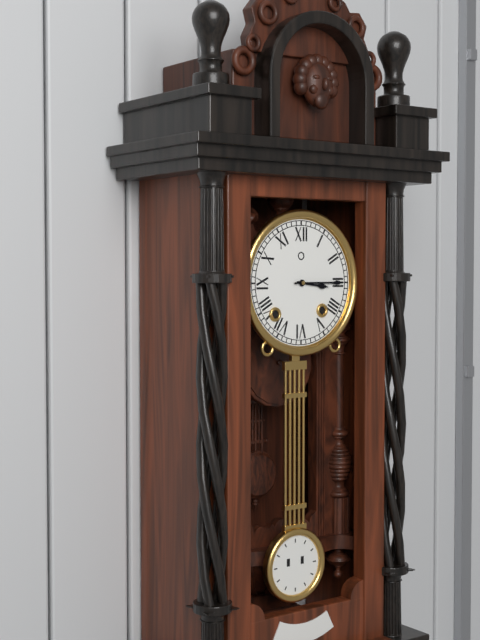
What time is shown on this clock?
3:15
